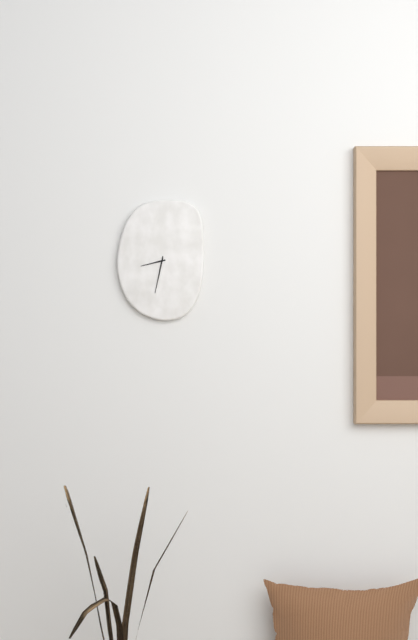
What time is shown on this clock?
8:32
